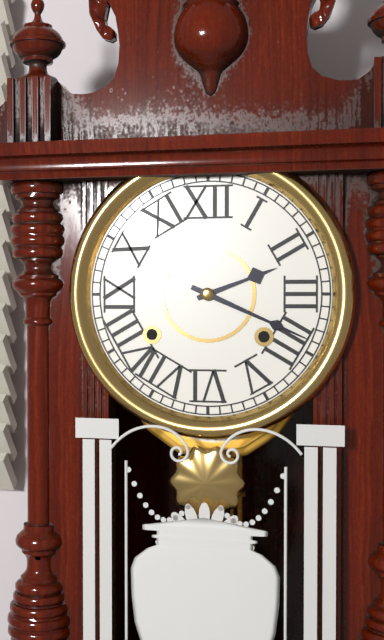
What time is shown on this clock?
2:19
